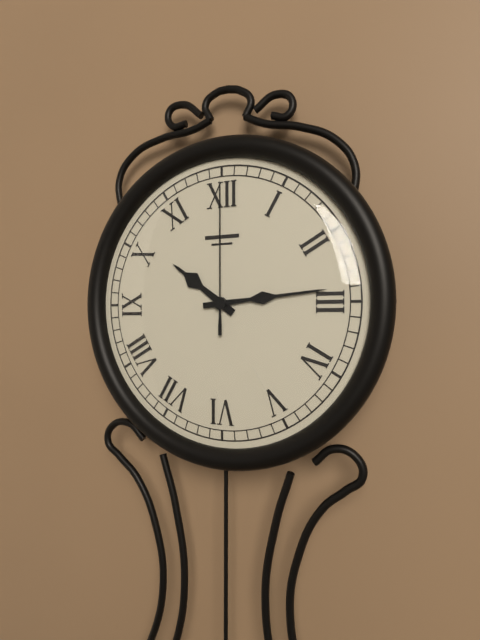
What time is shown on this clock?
10:14:00
